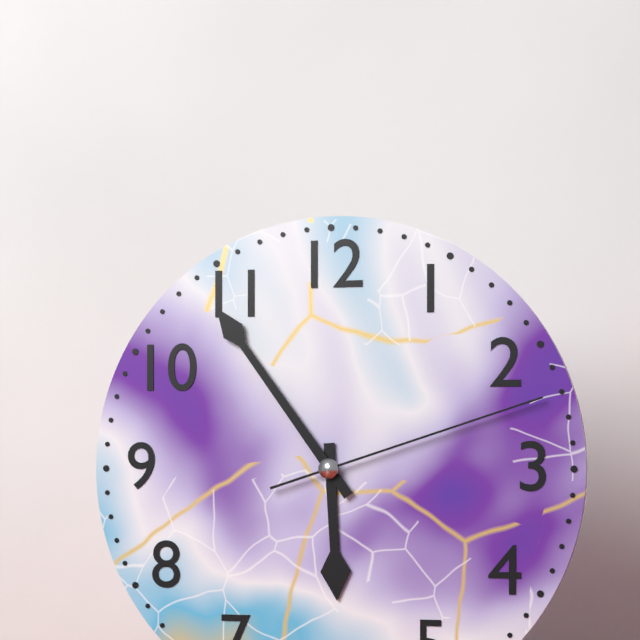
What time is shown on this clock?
5:54:12
